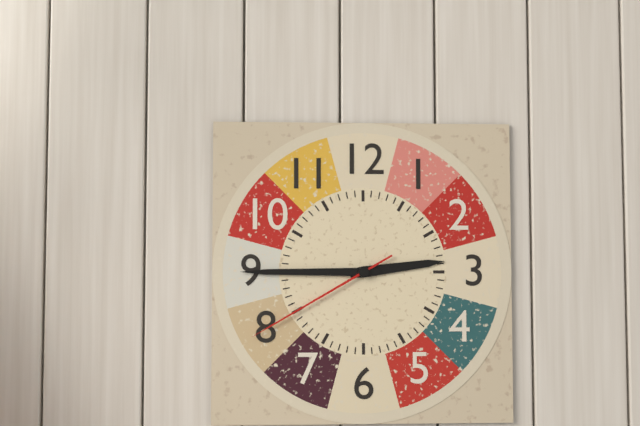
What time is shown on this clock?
2:45:40
